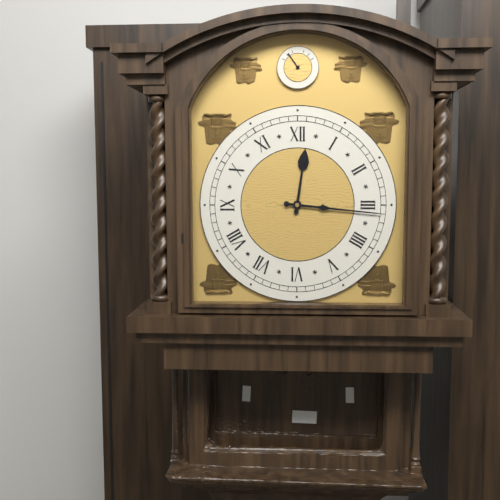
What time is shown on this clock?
12:16
